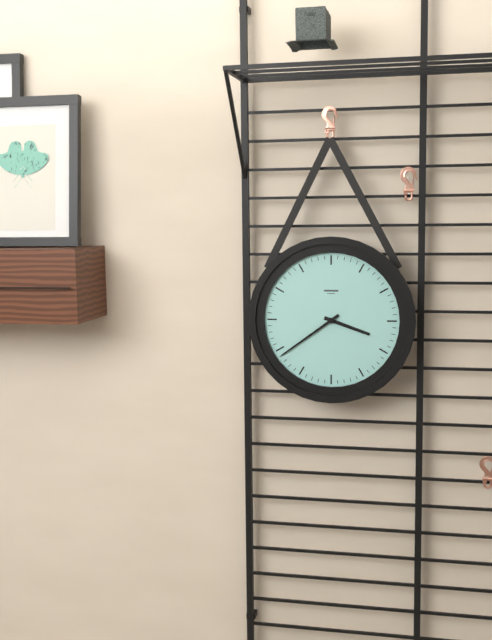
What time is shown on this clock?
3:39
